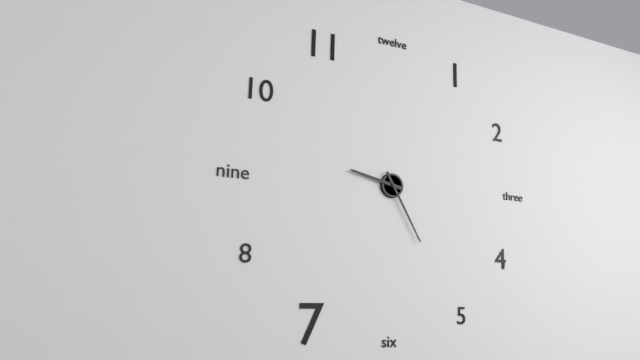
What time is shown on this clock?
9:25
